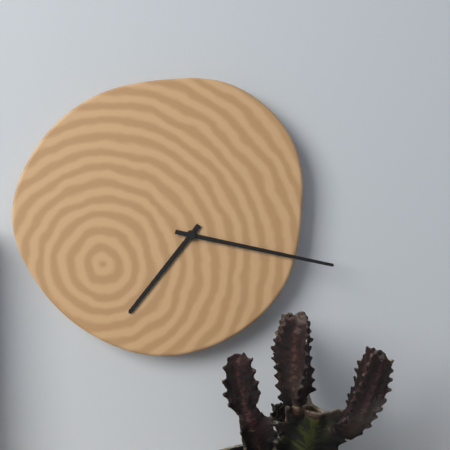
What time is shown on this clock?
7:17
